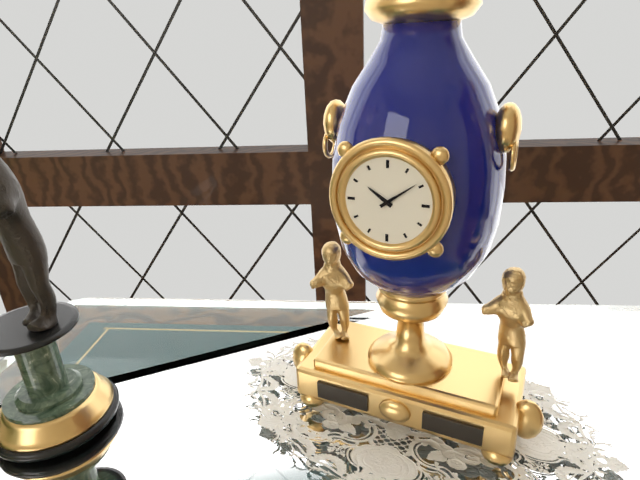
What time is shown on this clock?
10:09
